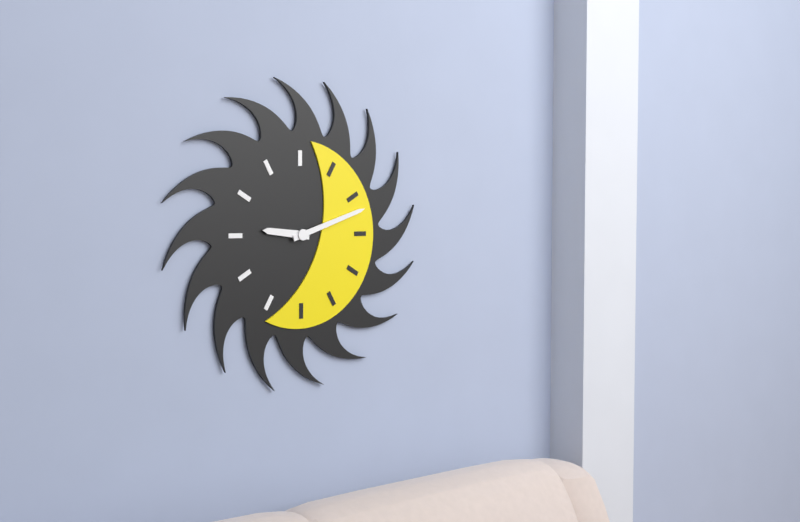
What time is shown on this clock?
9:12
